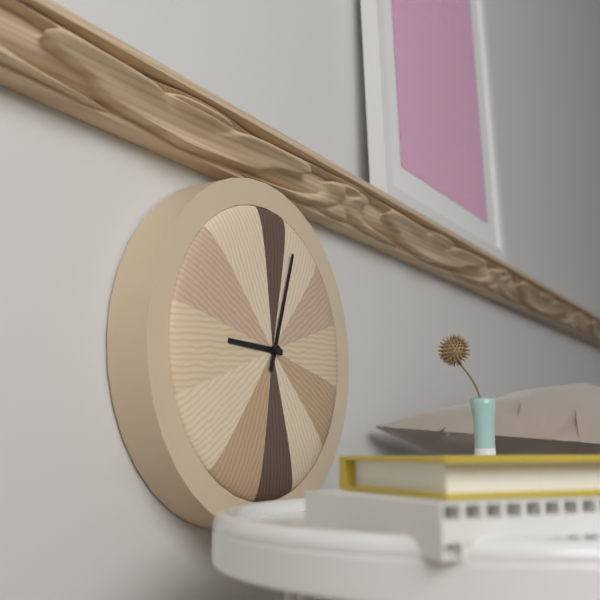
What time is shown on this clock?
9:03
